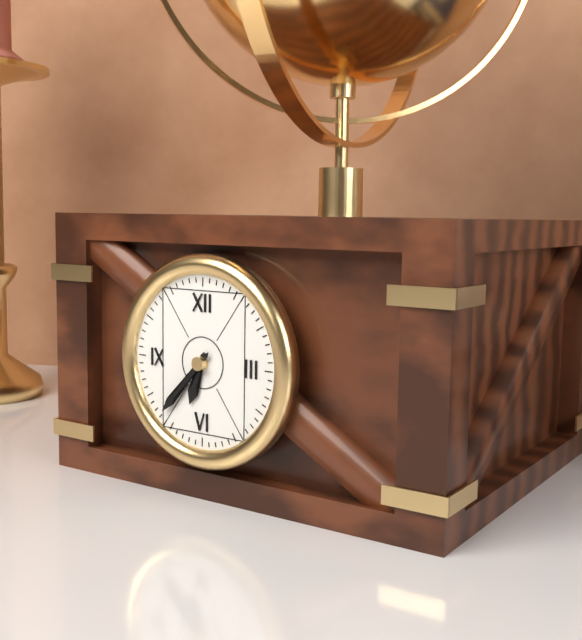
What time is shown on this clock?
6:37
